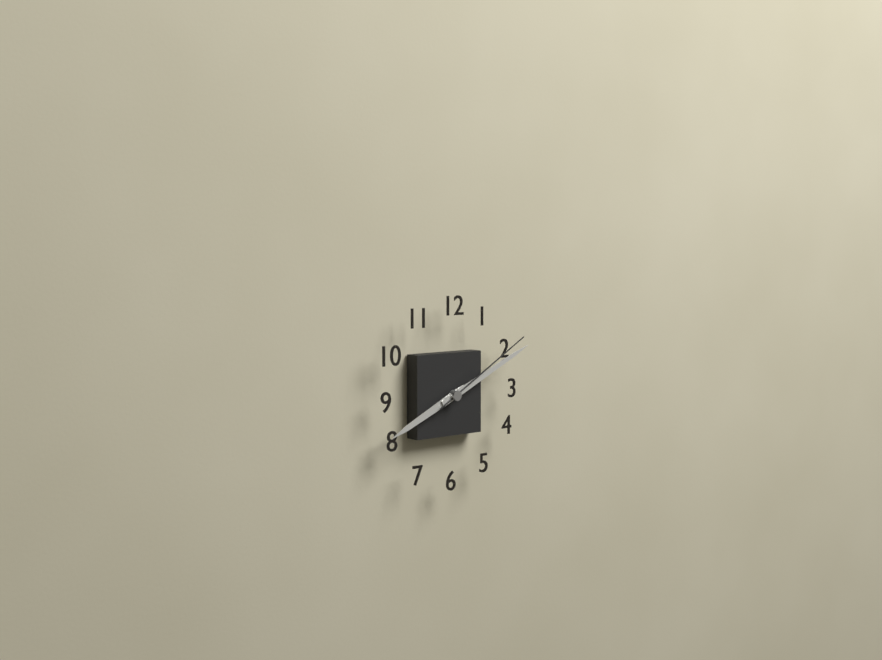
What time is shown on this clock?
8:11:10
